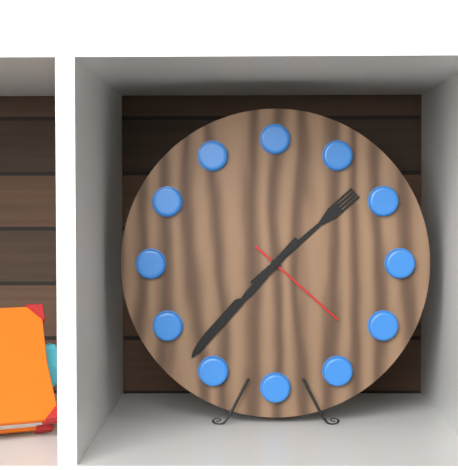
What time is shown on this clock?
1:37:22
